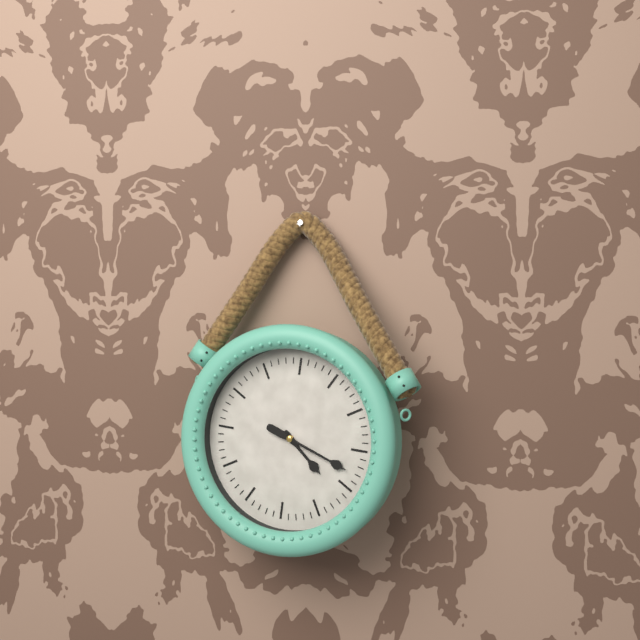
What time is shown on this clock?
4:18
